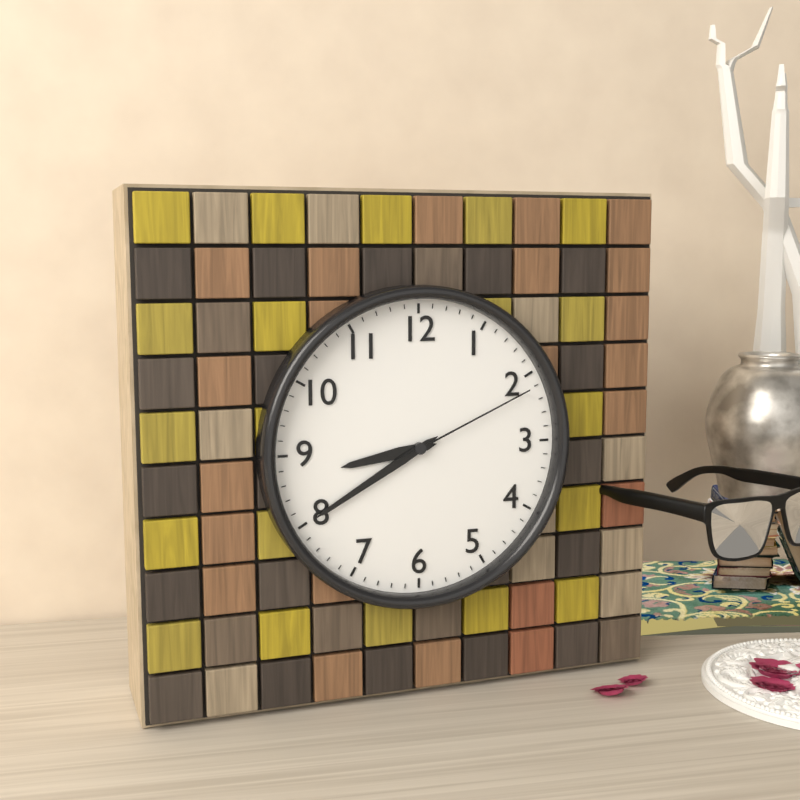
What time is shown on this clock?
8:40:11
